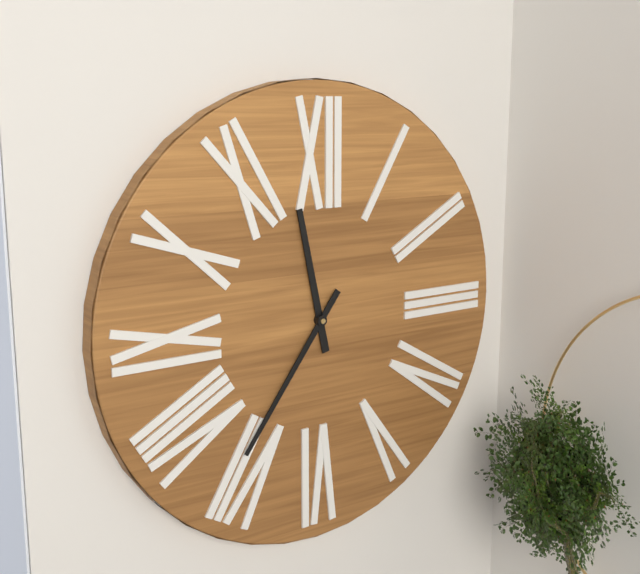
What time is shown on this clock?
11:36
